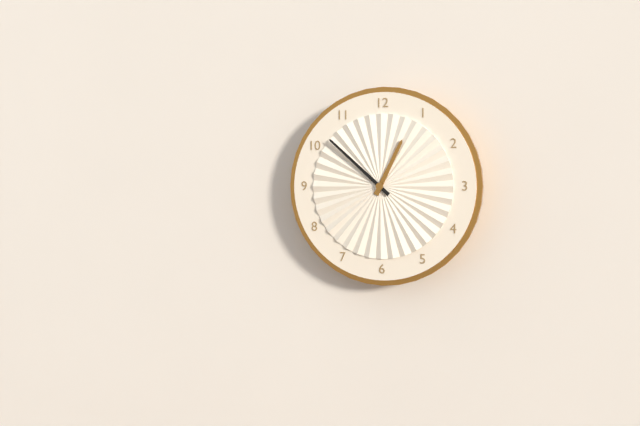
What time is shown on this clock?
12:52
